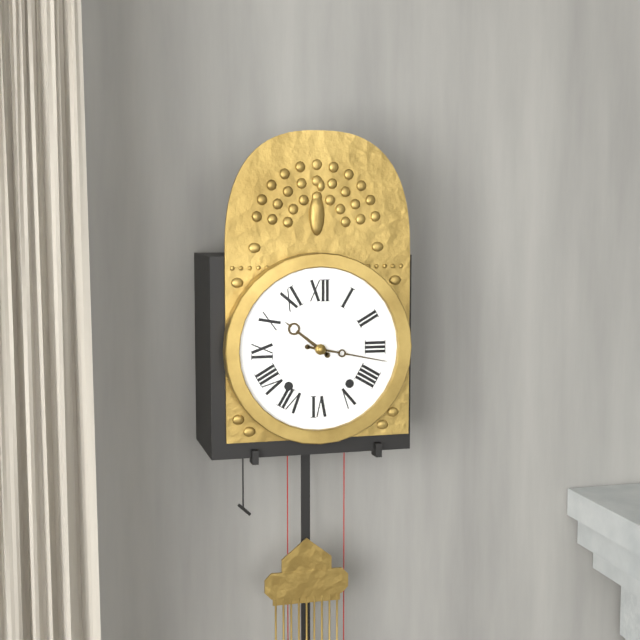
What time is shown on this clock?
10:17
